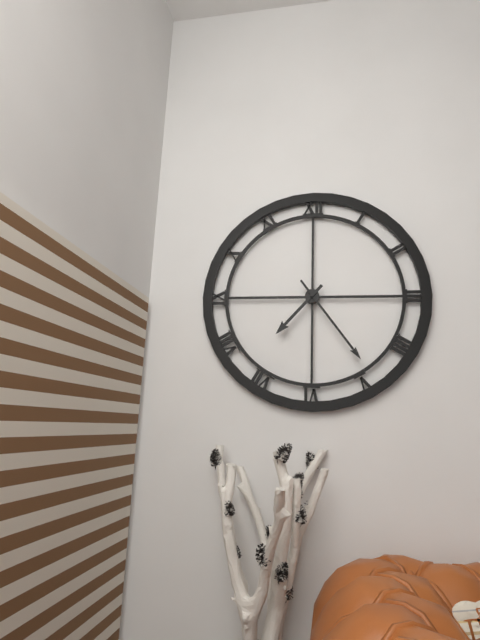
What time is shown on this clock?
7:24
